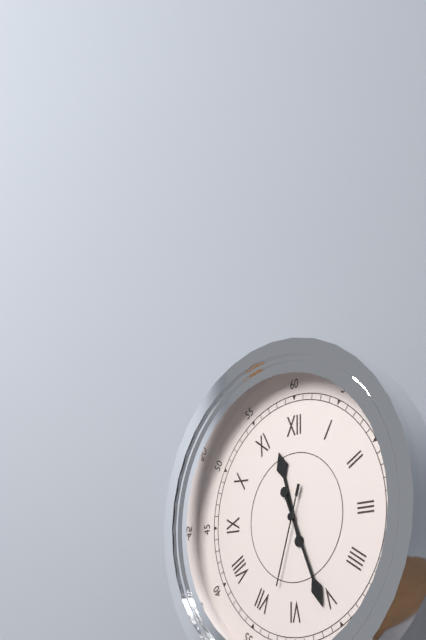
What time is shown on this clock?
11:26:33
